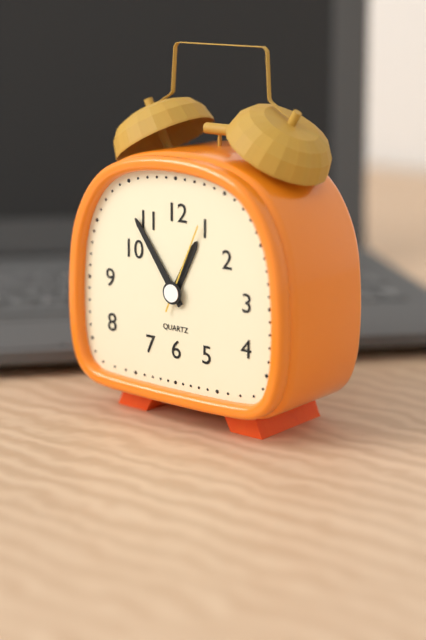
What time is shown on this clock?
12:54:04
